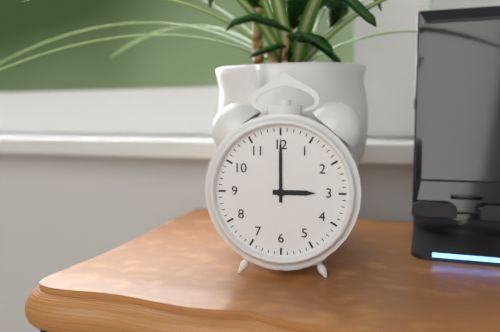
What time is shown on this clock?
3:00
